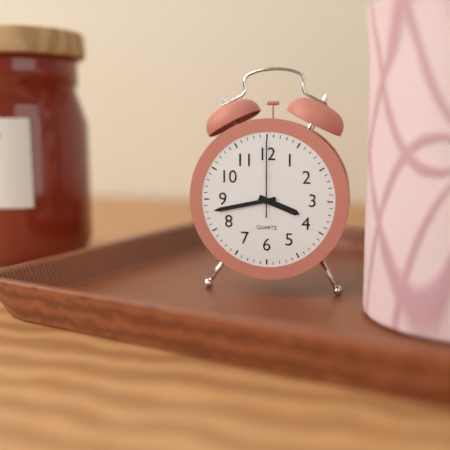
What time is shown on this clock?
3:43:00
